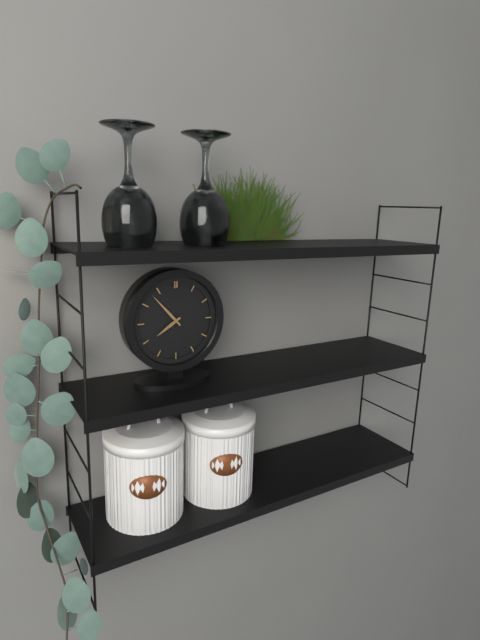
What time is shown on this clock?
7:53
